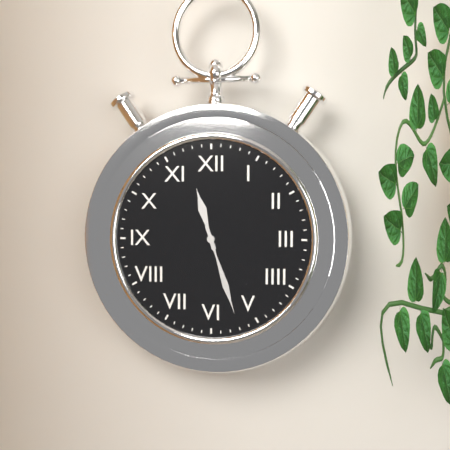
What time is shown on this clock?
11:27
